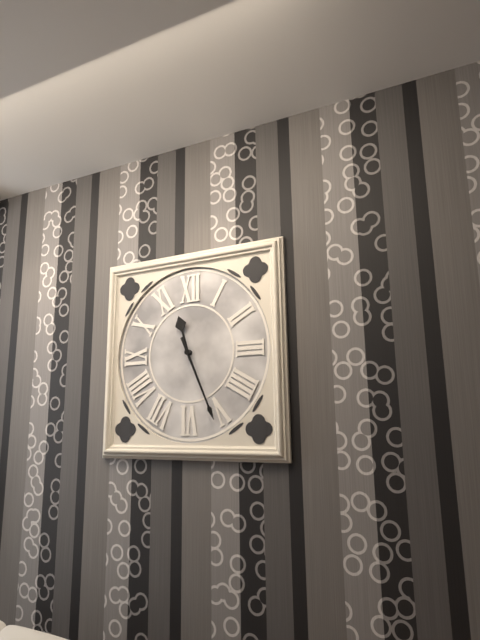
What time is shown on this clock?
11:26
